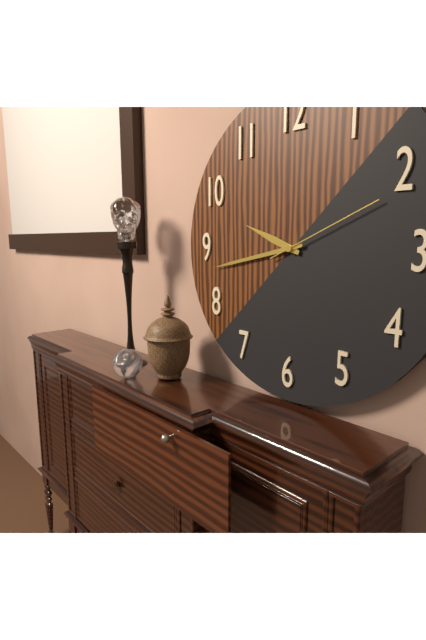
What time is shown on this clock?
9:43:11
